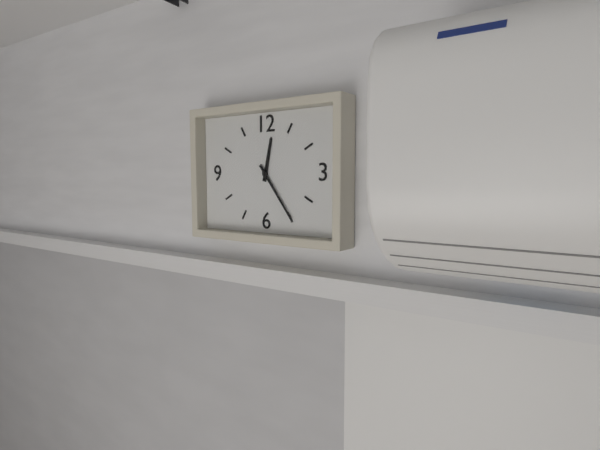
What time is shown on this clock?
12:24
